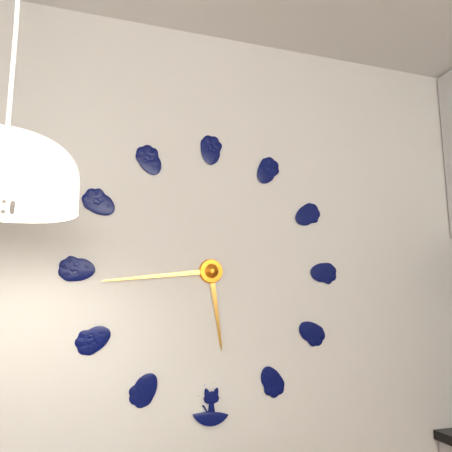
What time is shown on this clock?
5:44
